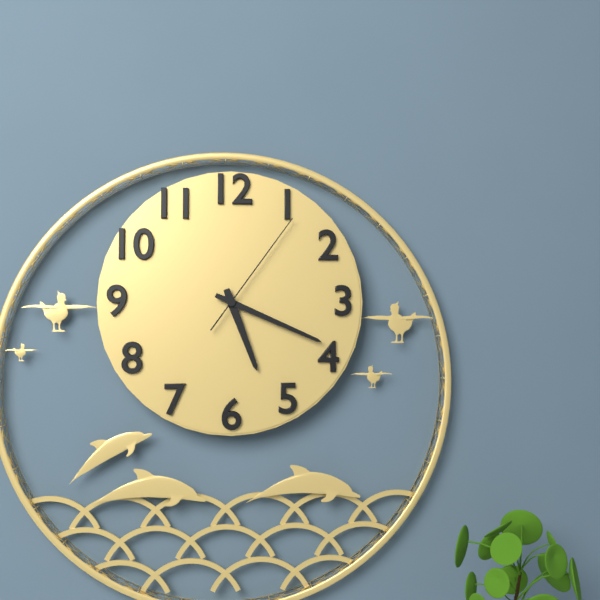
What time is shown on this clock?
5:19:06
